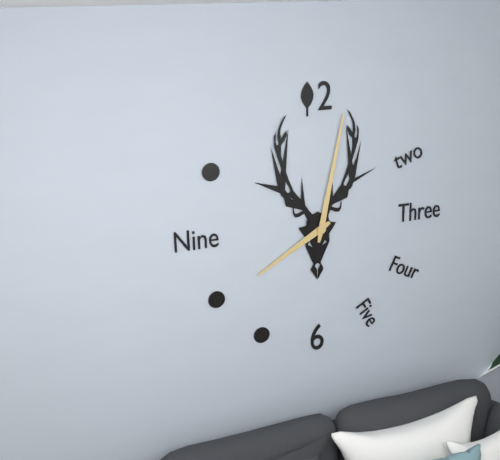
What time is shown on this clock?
8:02
